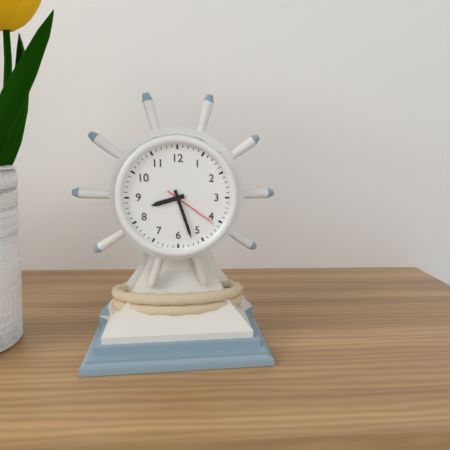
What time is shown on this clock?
8:27:21
